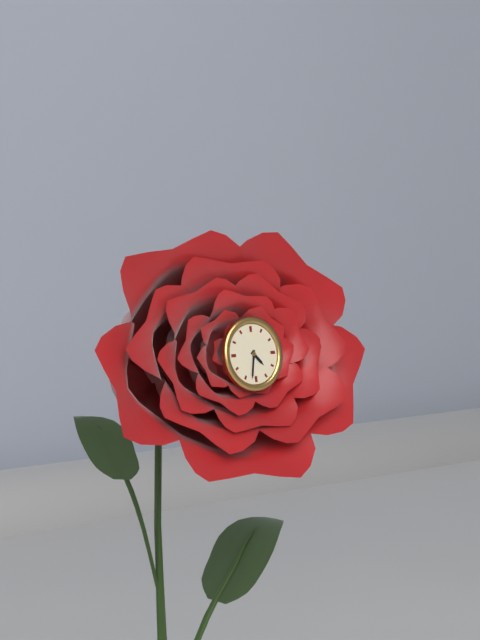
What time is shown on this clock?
4:32
